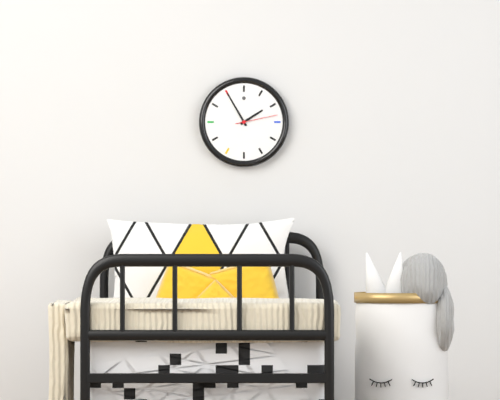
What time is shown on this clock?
1:55
